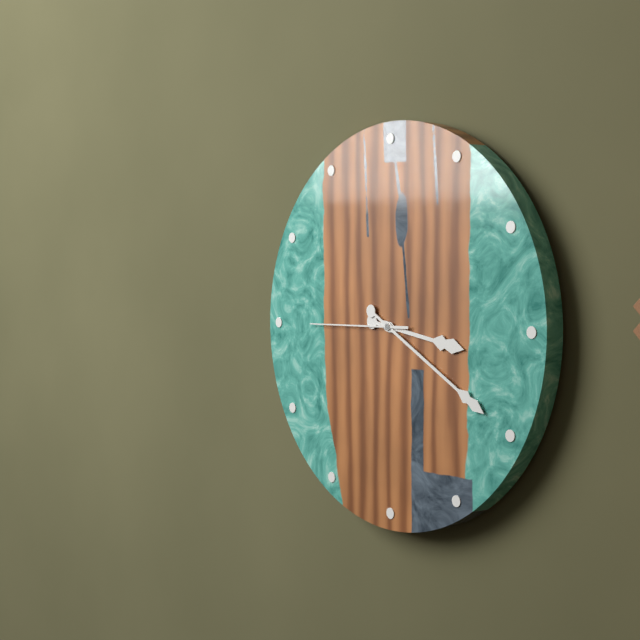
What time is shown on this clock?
3:20:45
